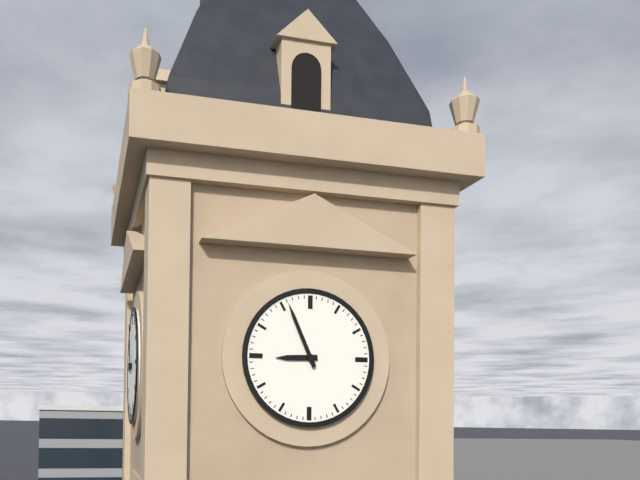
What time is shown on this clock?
8:56
